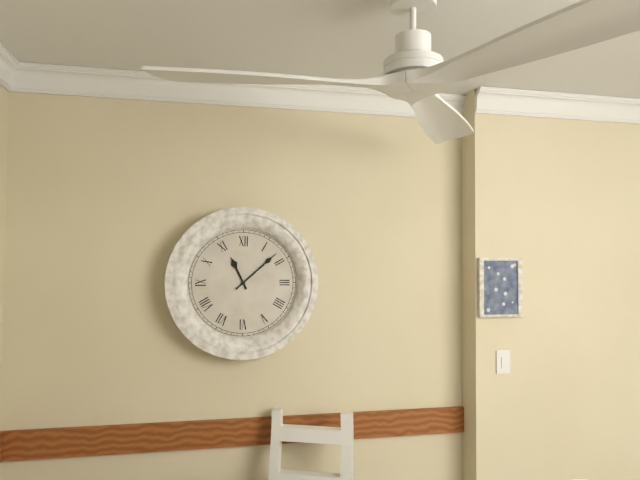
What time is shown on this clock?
11:08
